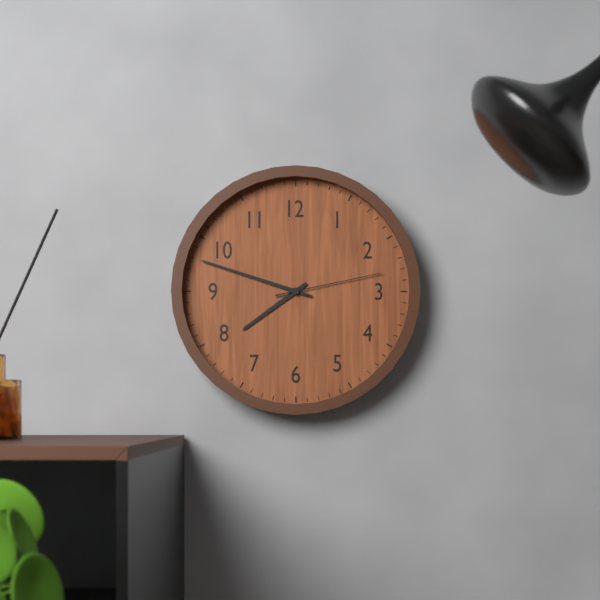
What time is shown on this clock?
7:48:13
